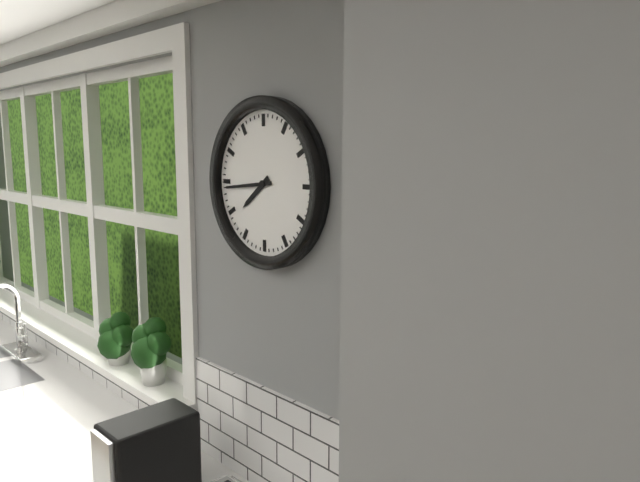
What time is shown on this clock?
7:44
